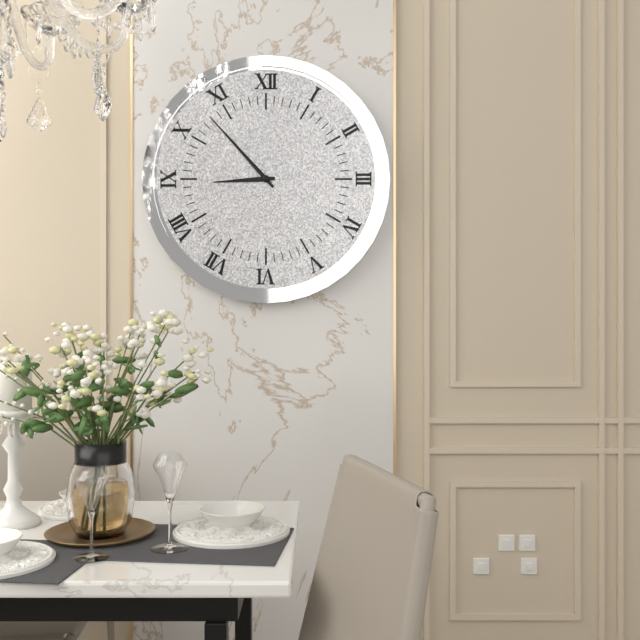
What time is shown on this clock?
8:53
